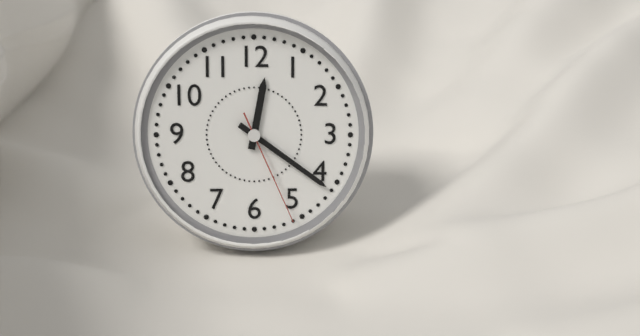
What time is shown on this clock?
12:21:26
